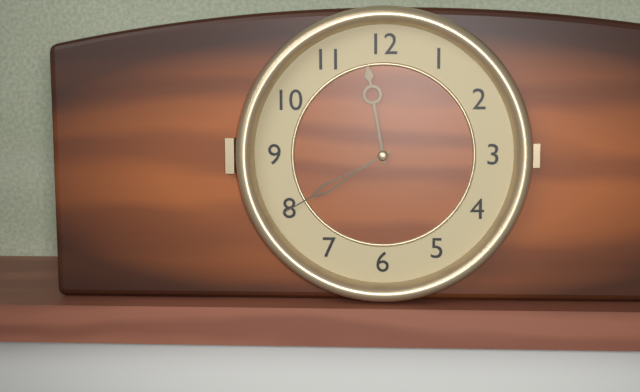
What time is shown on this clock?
11:40
